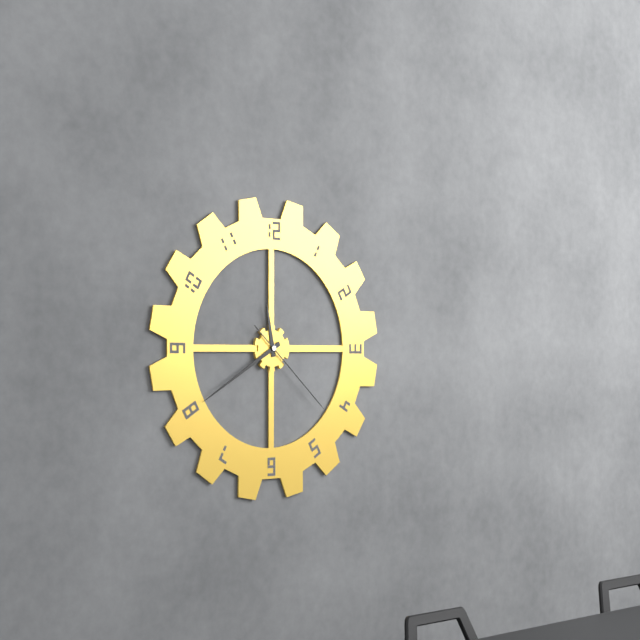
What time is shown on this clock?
11:40:22
